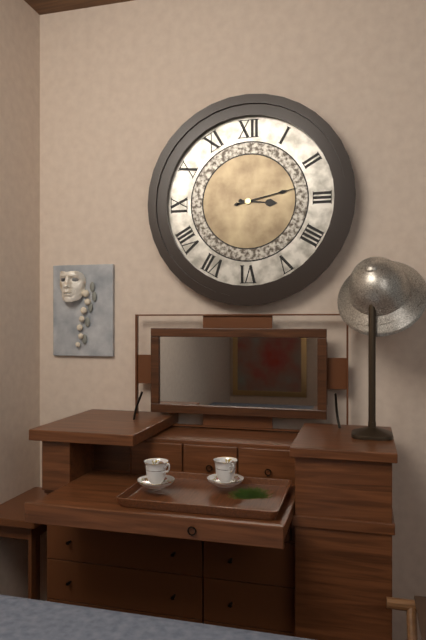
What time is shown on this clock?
3:13
